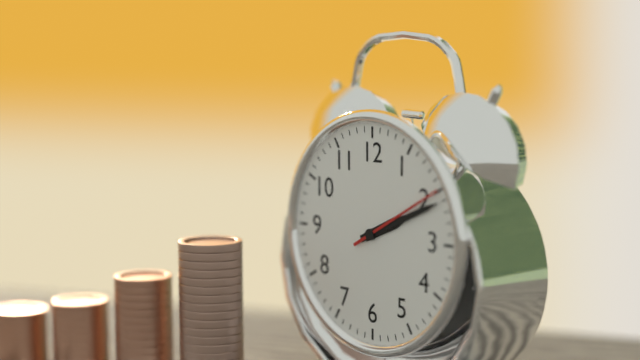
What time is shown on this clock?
2:11:10
